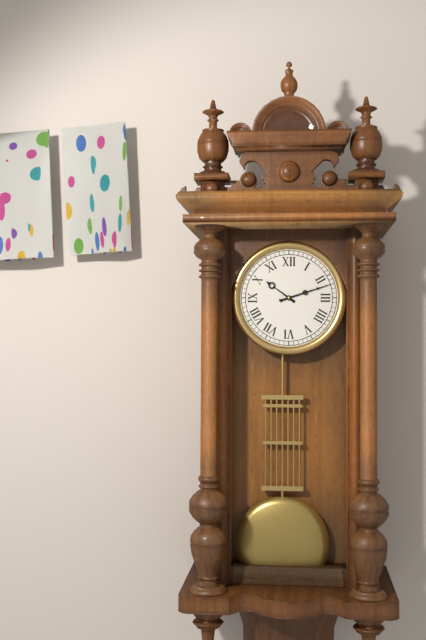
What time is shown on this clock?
10:12
